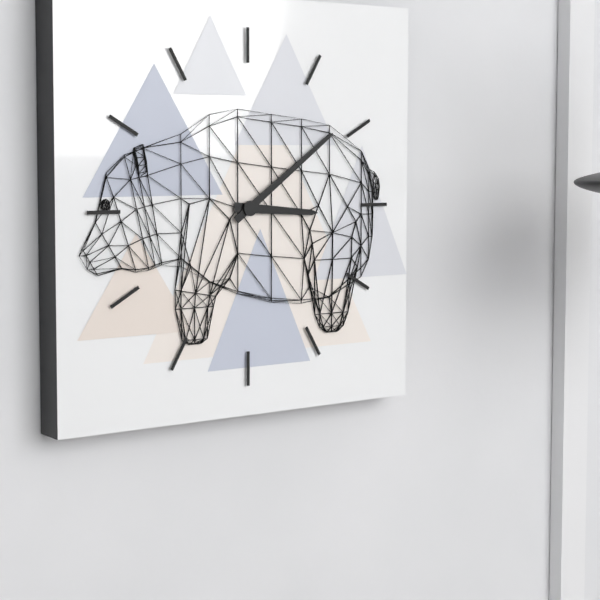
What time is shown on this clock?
3:09
